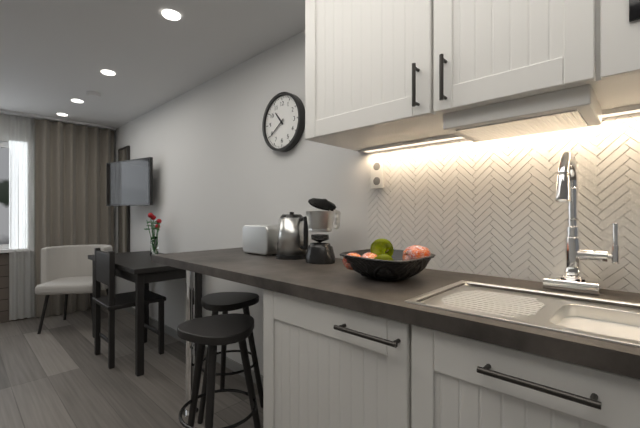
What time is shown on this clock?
10:39
